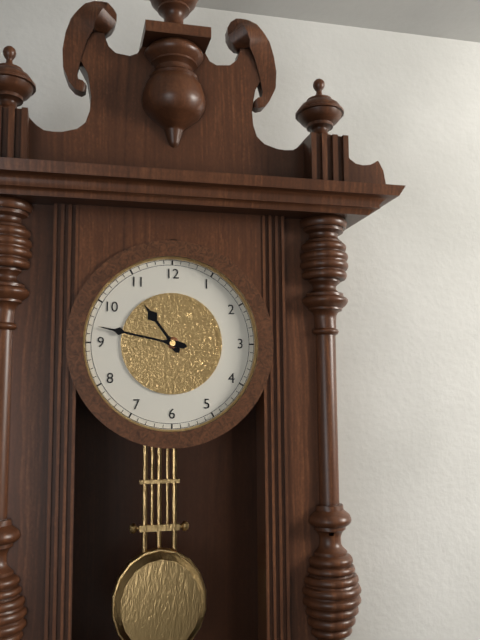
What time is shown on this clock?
10:47
